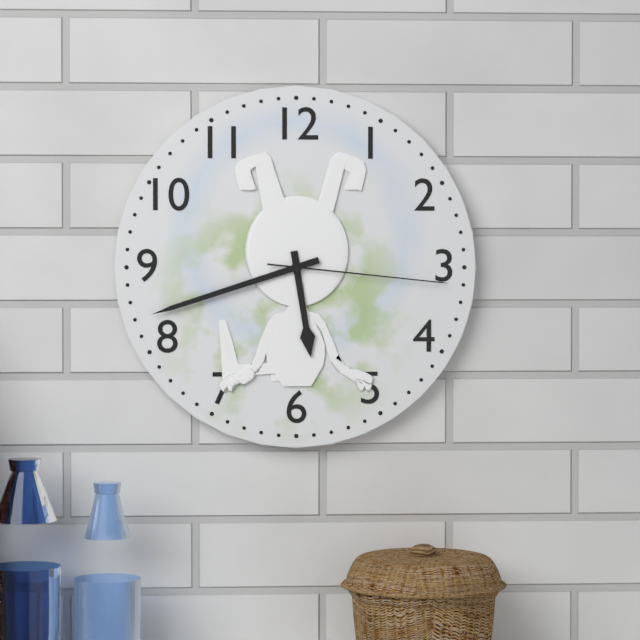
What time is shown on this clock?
5:42:16
